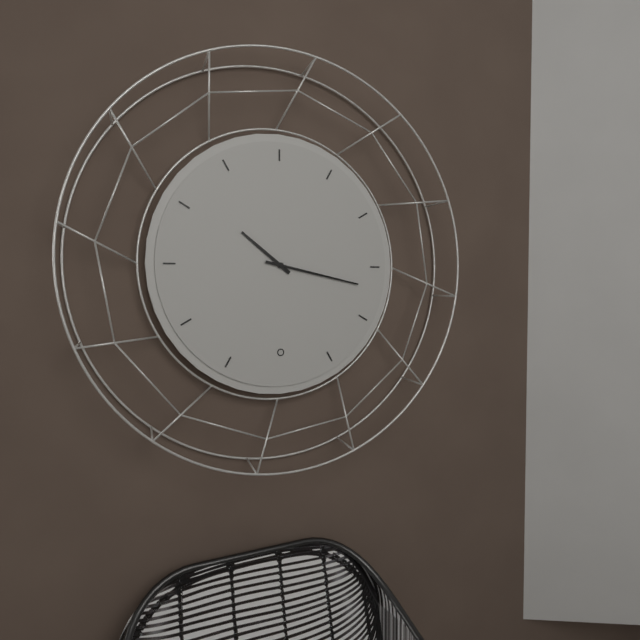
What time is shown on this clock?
10:17
